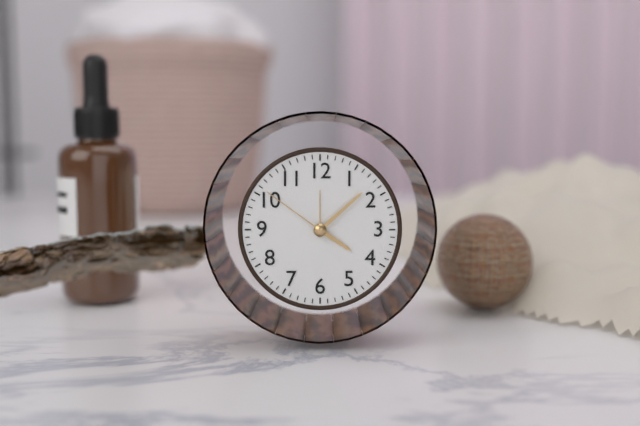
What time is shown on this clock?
4:08:51
